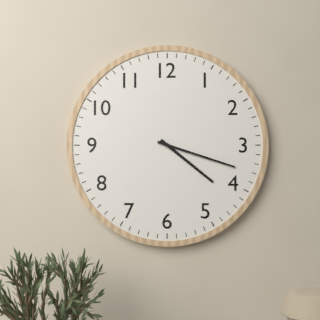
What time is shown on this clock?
4:18
